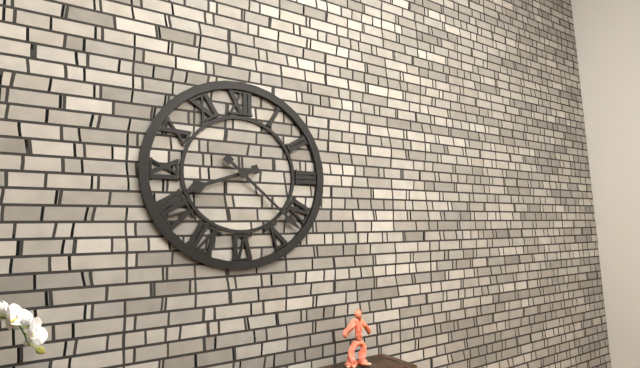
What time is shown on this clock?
8:22
